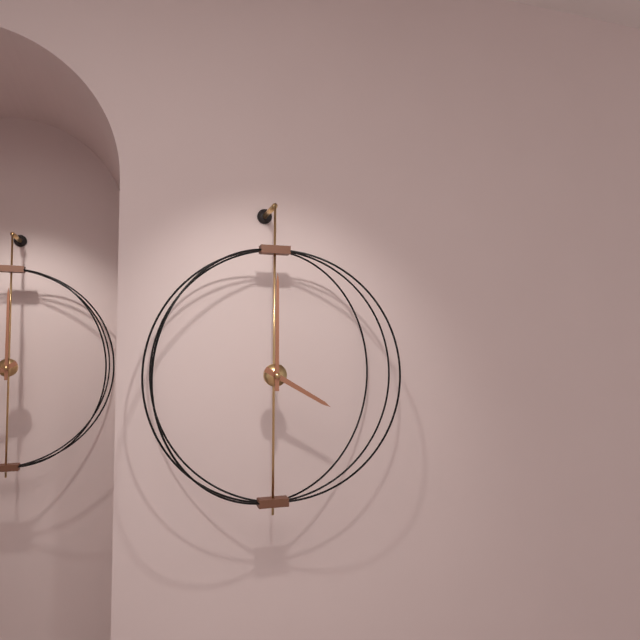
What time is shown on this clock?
4:00
